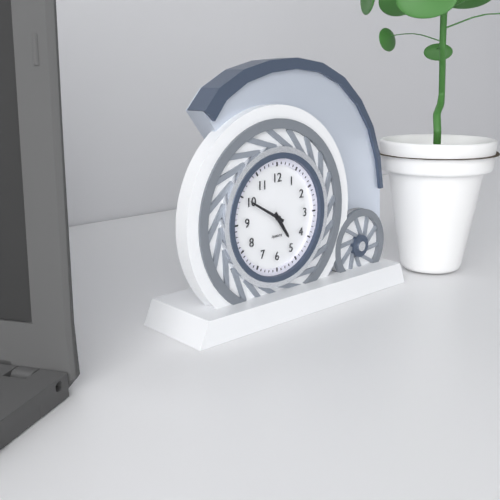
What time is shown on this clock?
4:50
